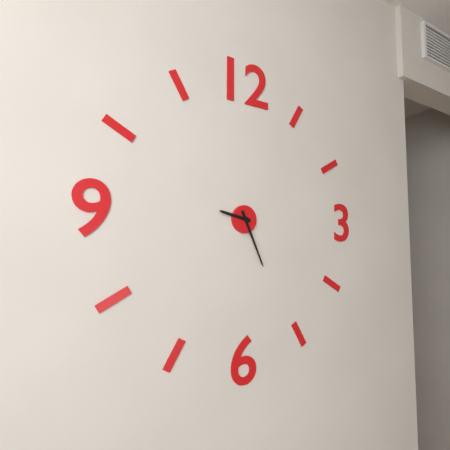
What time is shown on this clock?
9:26
